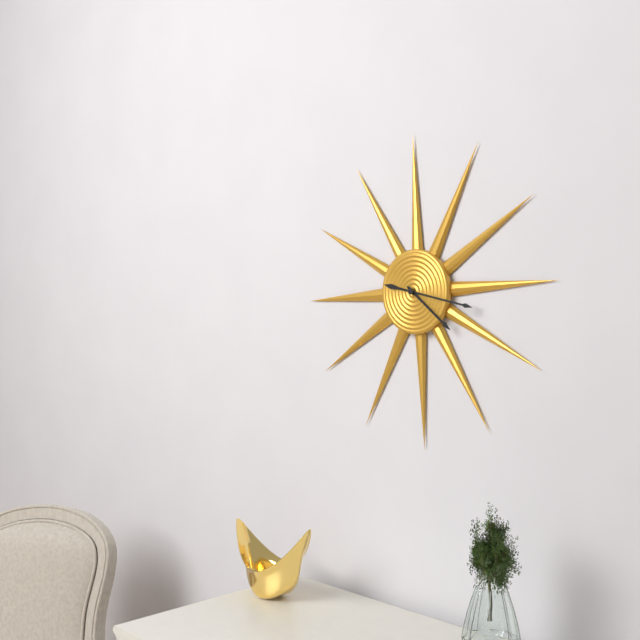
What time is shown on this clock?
4:17
